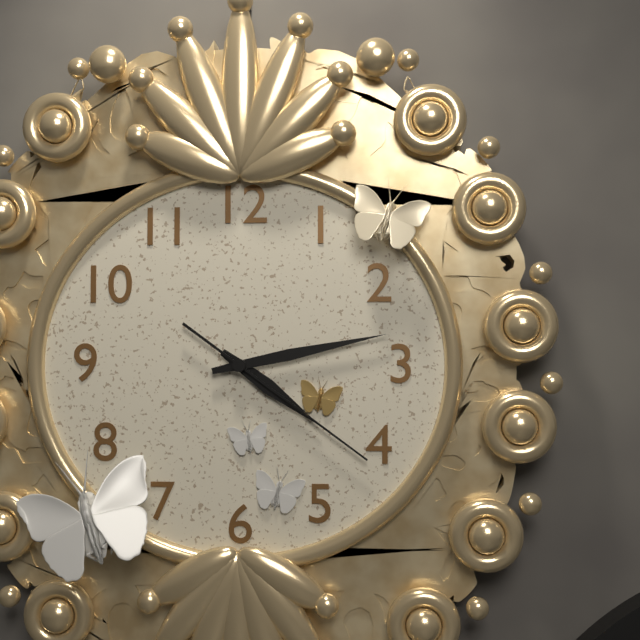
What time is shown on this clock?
4:13:21
